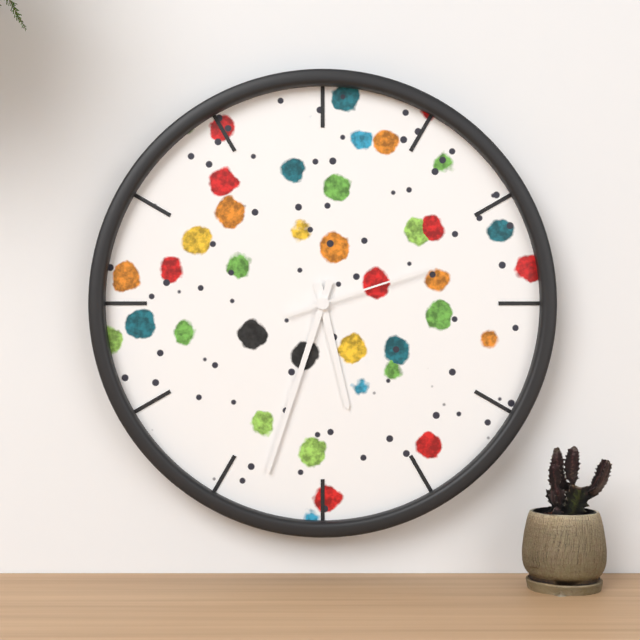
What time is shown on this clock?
5:33:12
